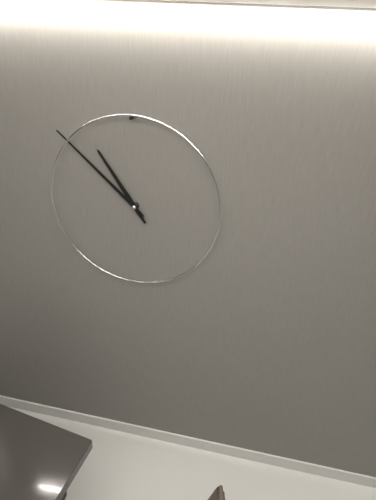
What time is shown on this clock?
10:52
